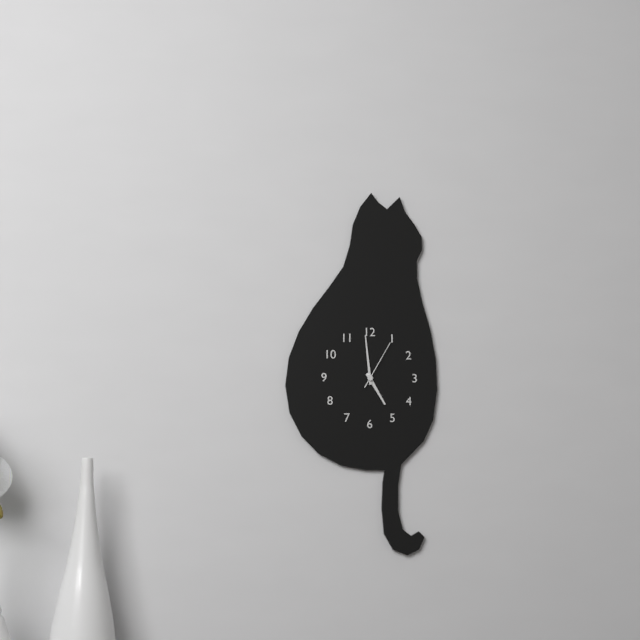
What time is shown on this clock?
4:59:05
